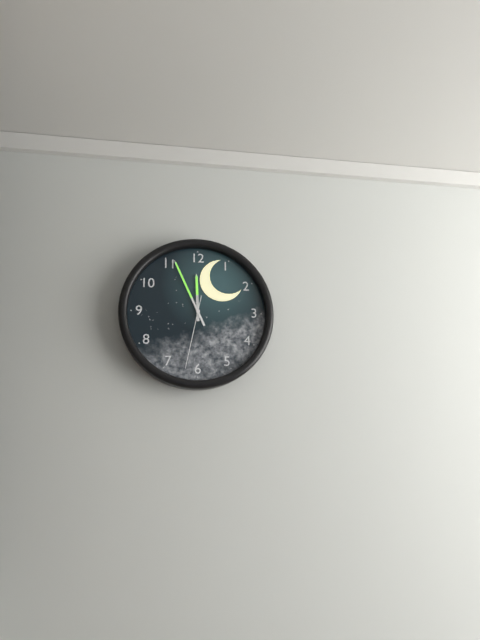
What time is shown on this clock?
11:56:32
